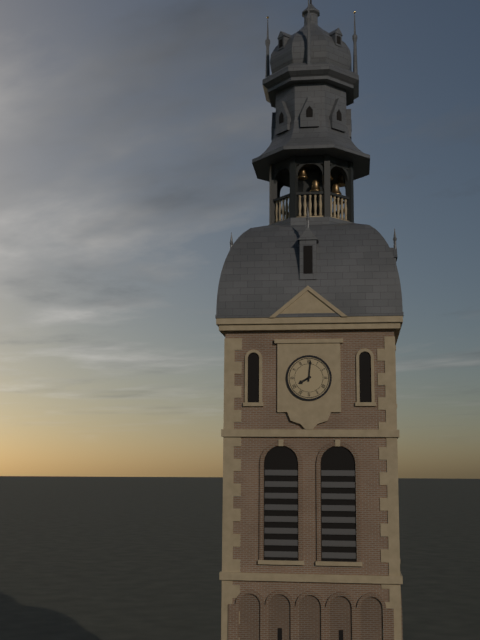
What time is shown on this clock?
8:01
